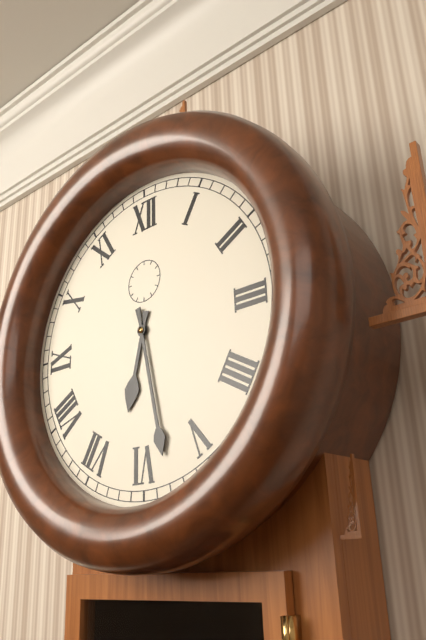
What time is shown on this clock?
6:28
